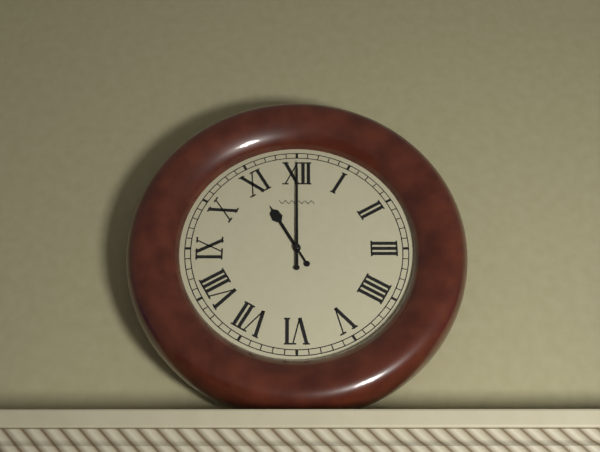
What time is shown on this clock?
11:00
